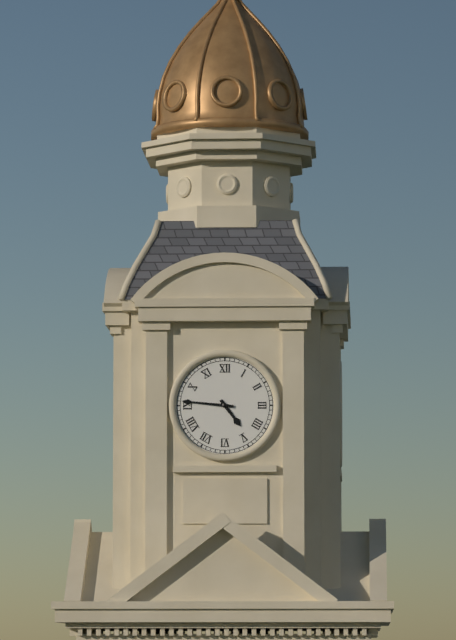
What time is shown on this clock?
4:46
